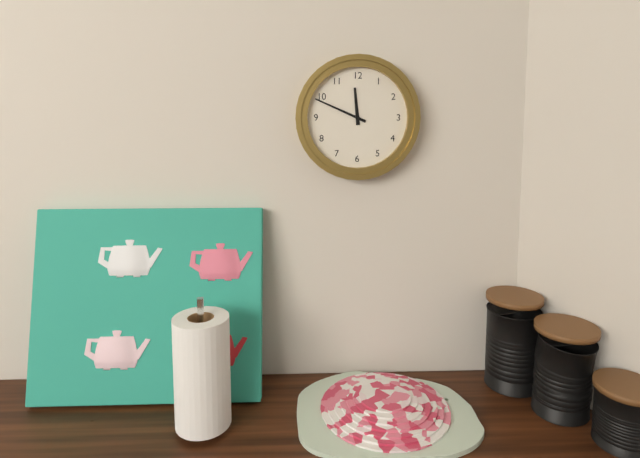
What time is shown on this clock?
11:49
